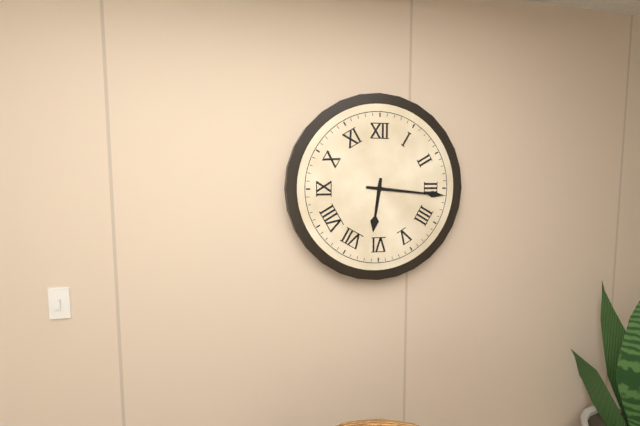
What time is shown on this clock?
6:16
